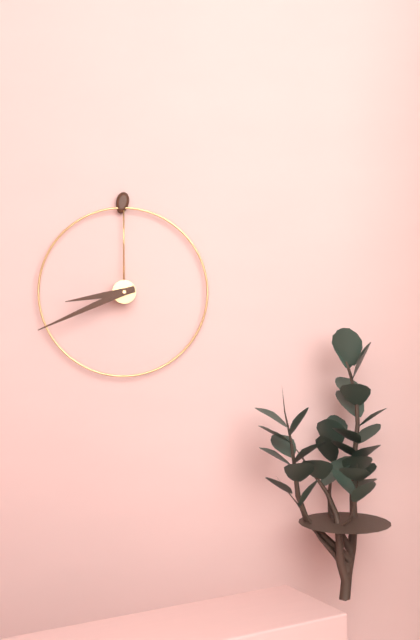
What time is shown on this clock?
8:41
